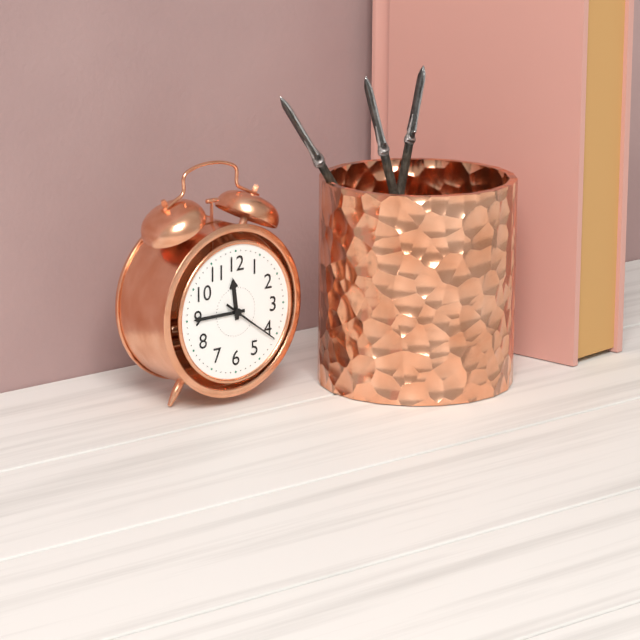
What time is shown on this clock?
11:45:21
